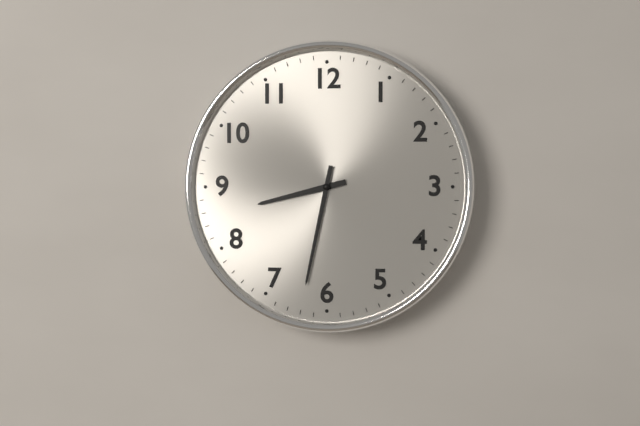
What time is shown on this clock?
8:32
